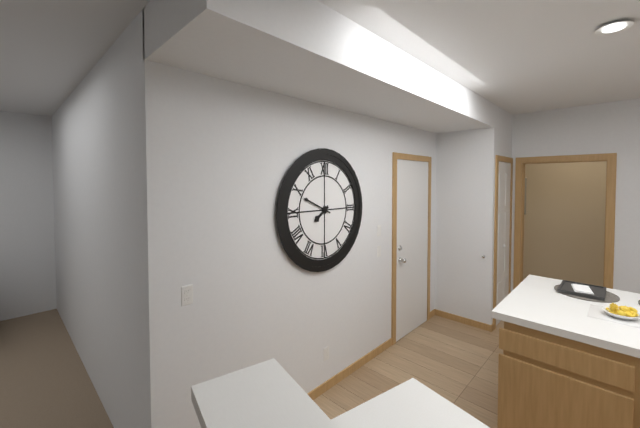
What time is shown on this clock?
7:49
